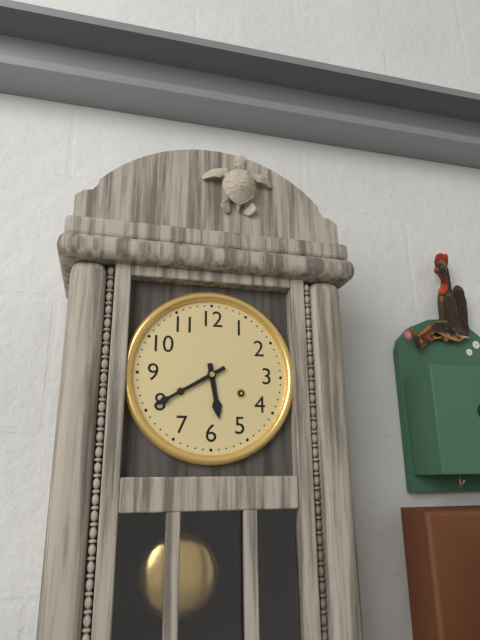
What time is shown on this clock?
5:40
